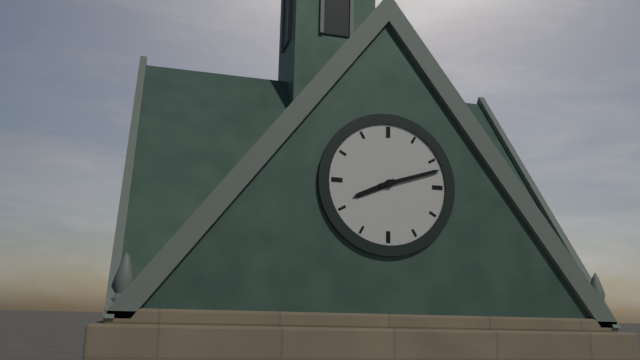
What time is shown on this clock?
8:12
